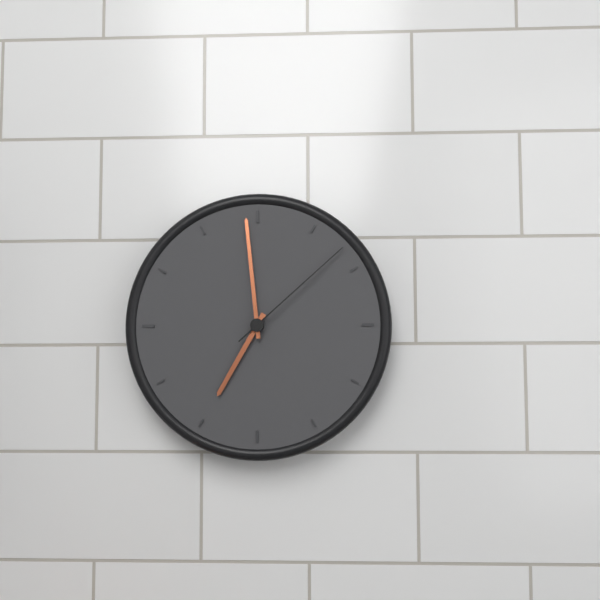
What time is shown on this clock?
6:59:08
